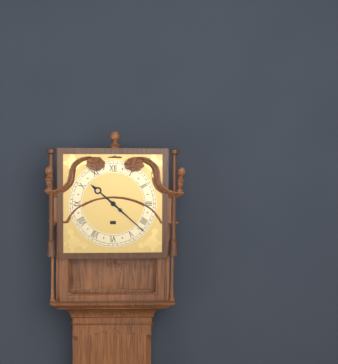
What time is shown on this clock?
10:22
